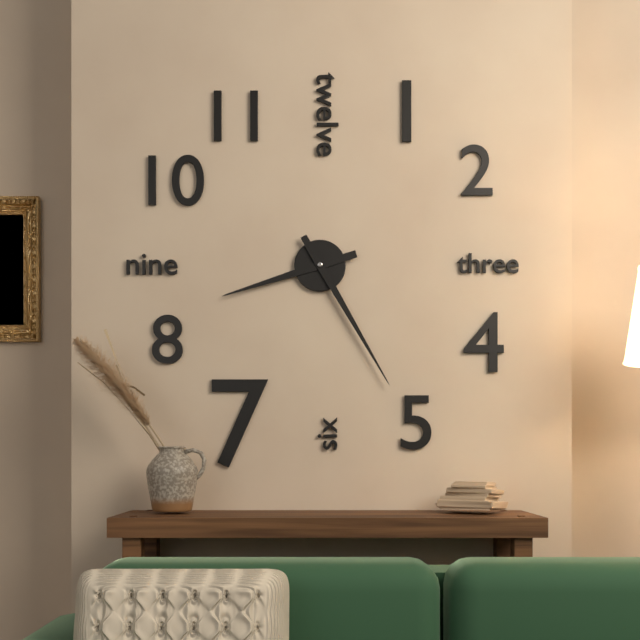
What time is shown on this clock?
8:25
